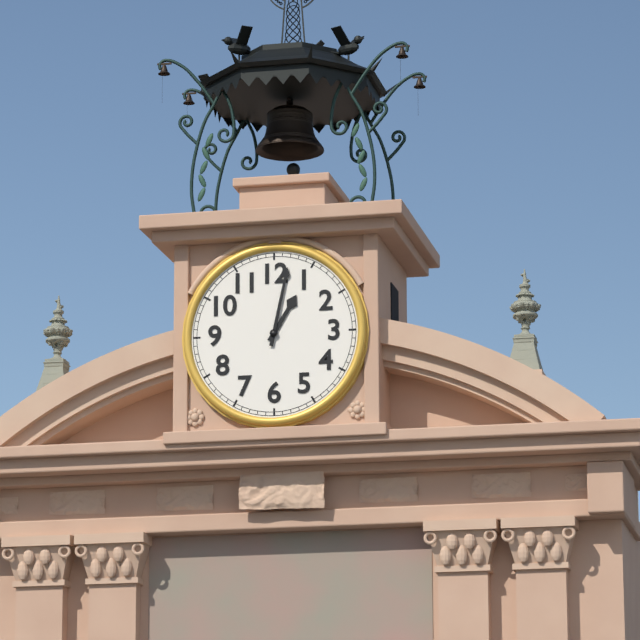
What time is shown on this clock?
1:02
